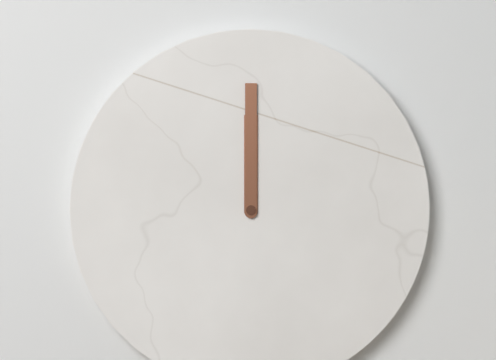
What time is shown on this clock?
12:00
